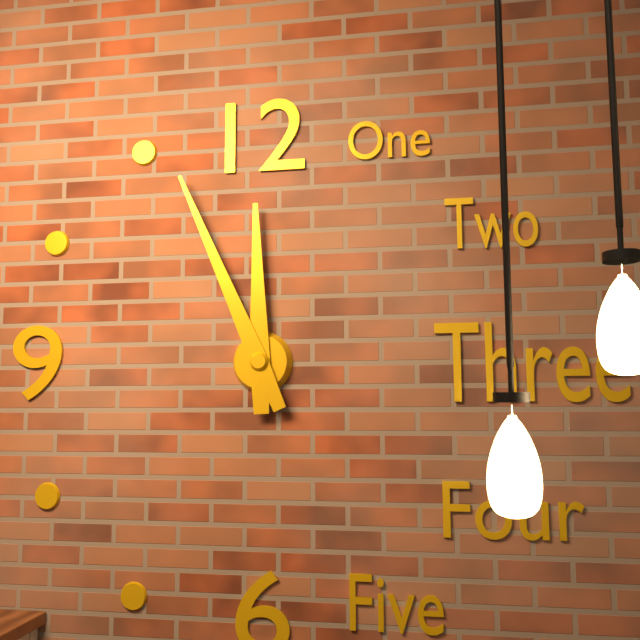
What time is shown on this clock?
11:56
